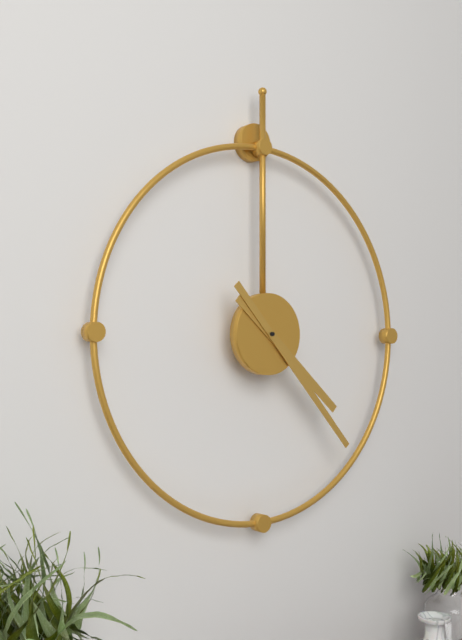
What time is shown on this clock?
4:23
